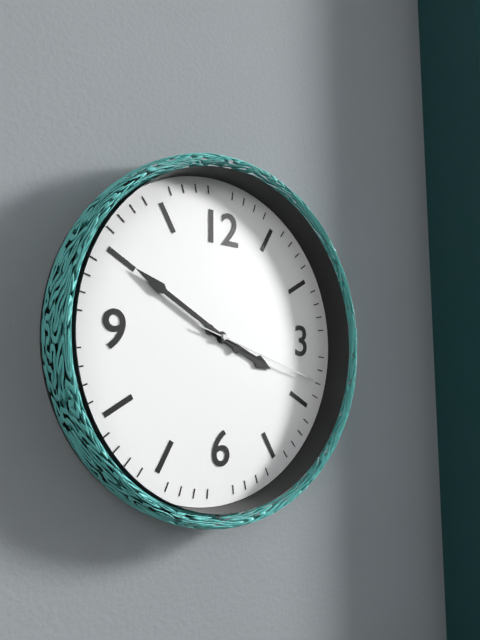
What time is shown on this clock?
3:50:18
